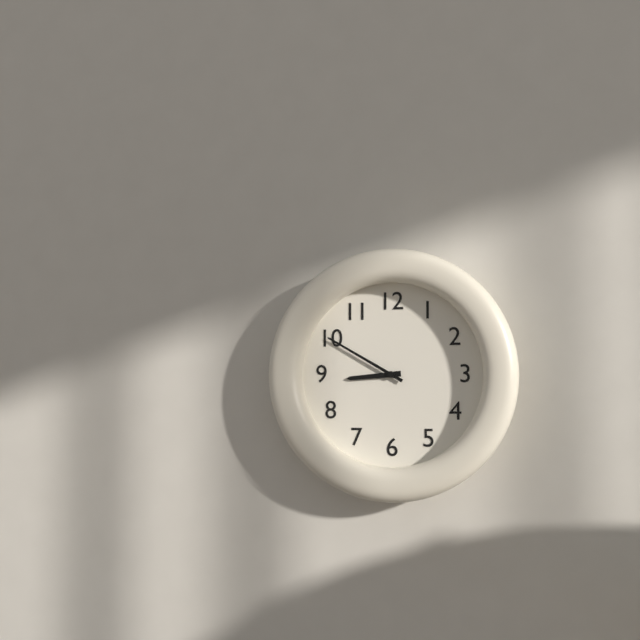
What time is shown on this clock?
8:50
